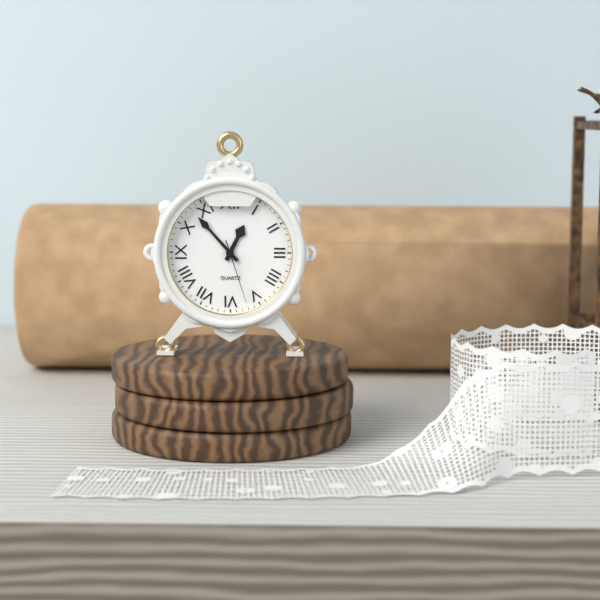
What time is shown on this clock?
12:53:27
